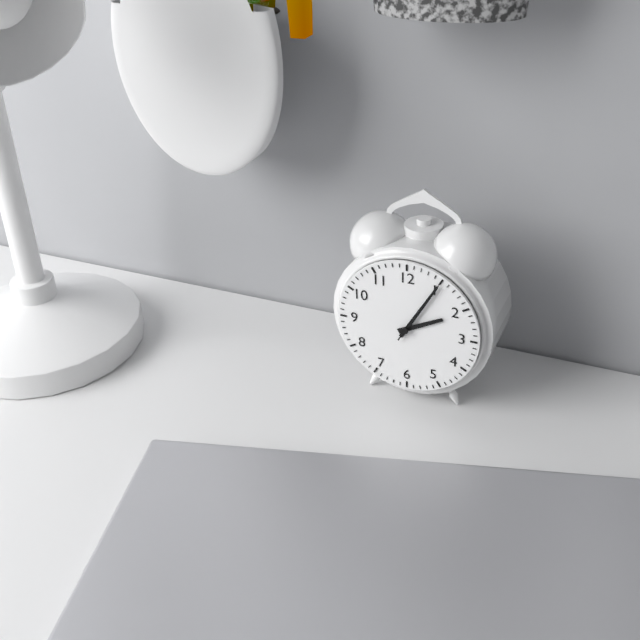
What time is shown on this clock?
2:05:05
